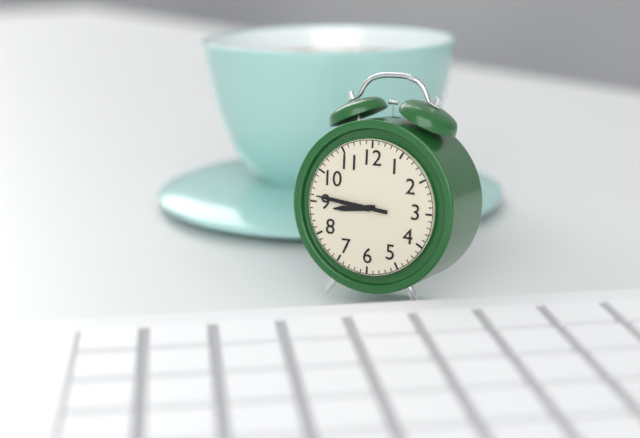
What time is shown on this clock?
8:46
